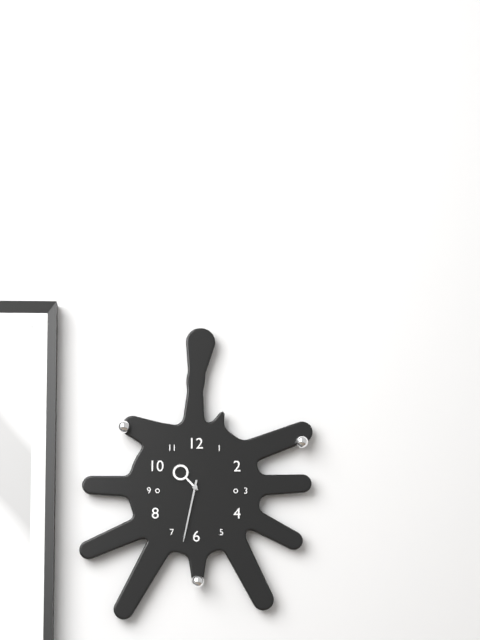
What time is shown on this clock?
10:32
